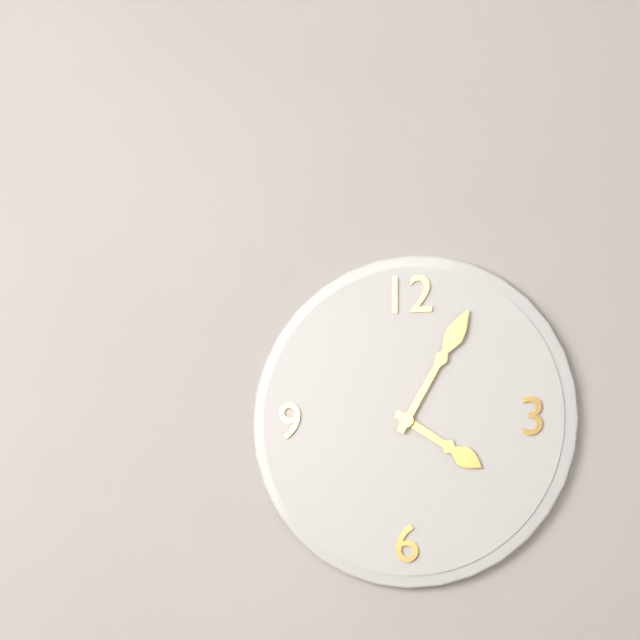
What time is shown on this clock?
4:05
